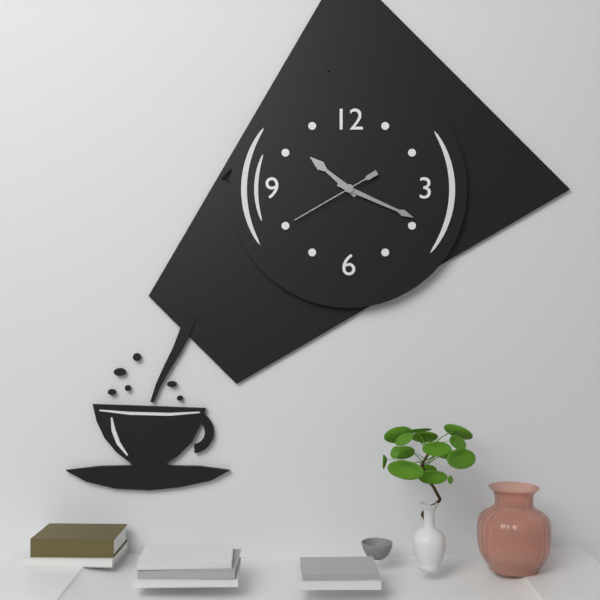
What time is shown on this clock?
10:19:40
